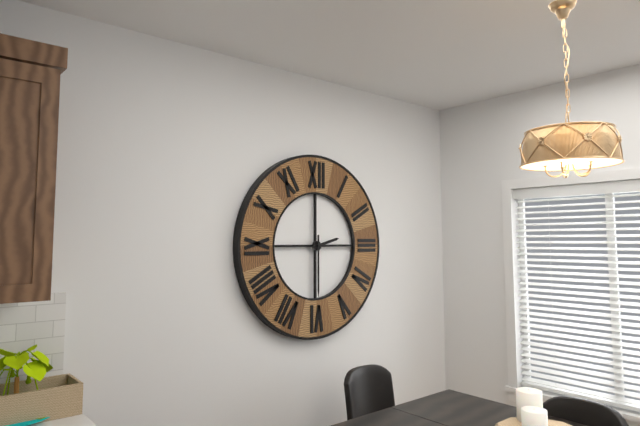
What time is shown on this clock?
2:30
